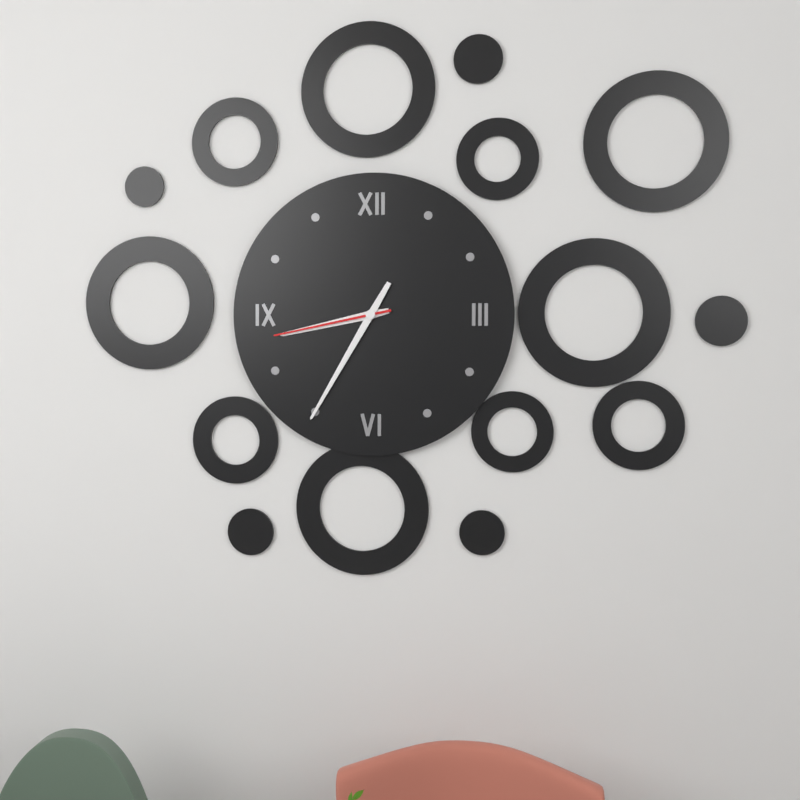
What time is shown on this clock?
8:35:43
